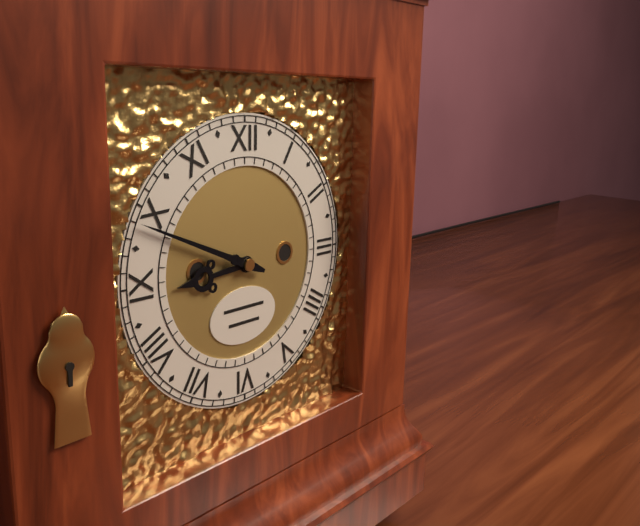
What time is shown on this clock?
8:49
